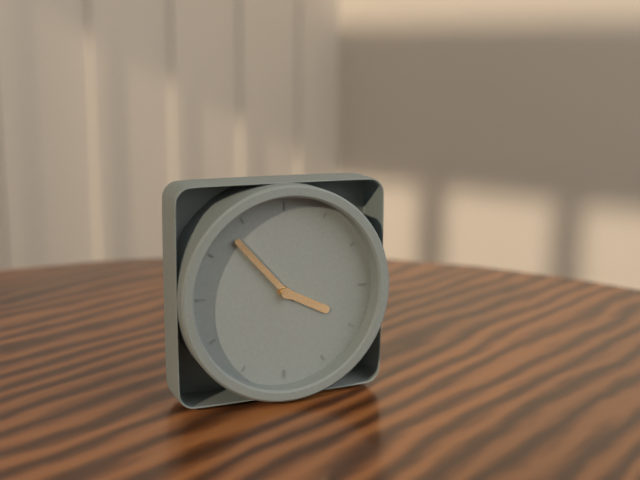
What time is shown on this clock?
3:53
